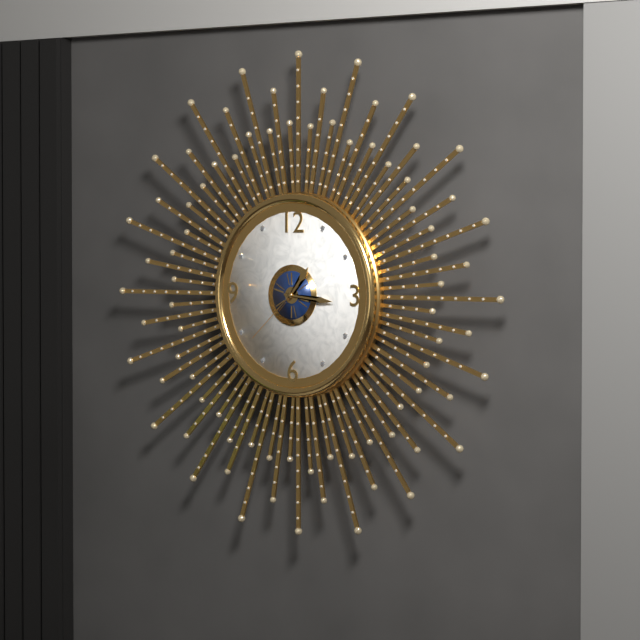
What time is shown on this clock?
1:16:38
